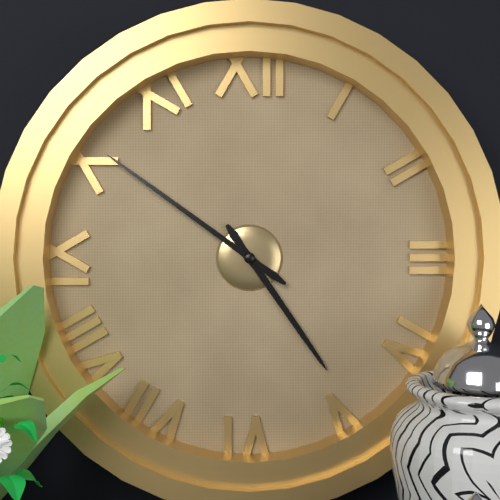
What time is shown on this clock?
4:51
